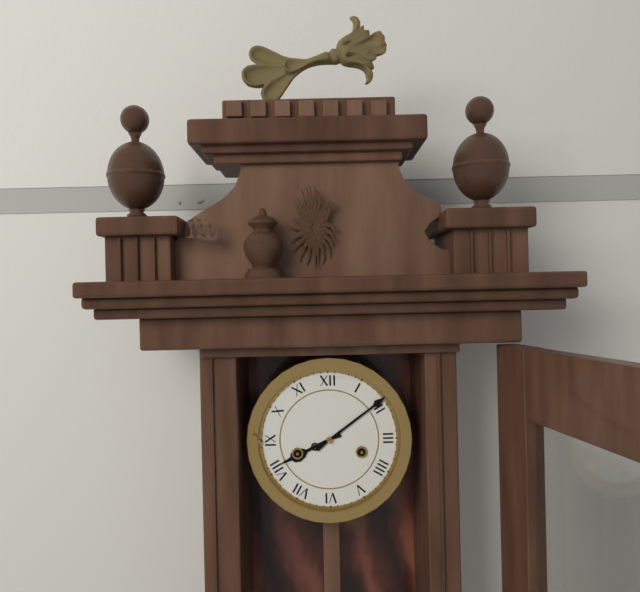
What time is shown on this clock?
8:09
